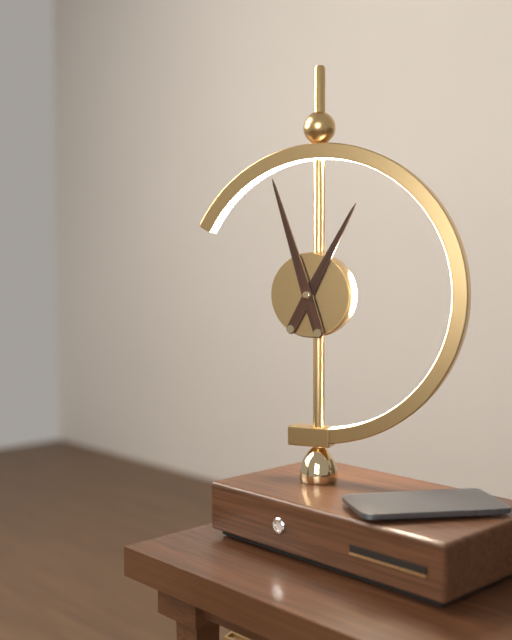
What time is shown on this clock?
12:57
